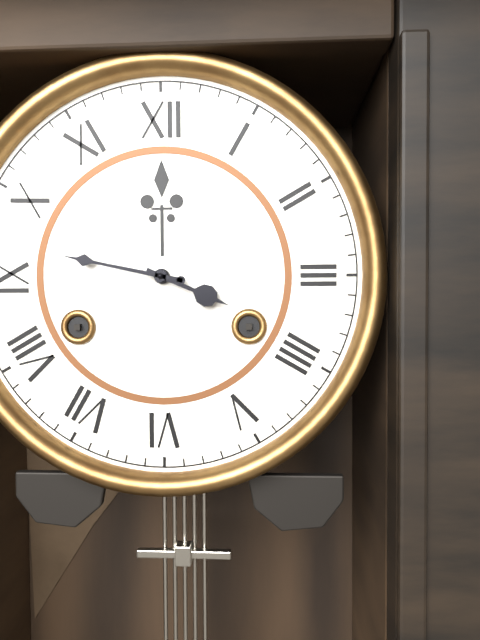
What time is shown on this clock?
3:47
